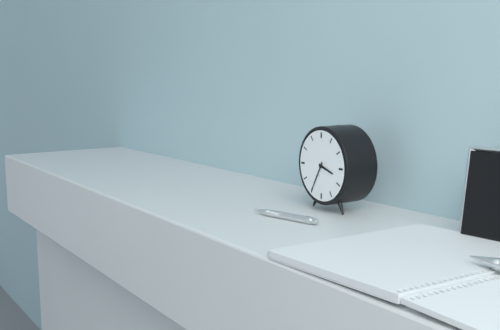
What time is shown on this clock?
3:35
